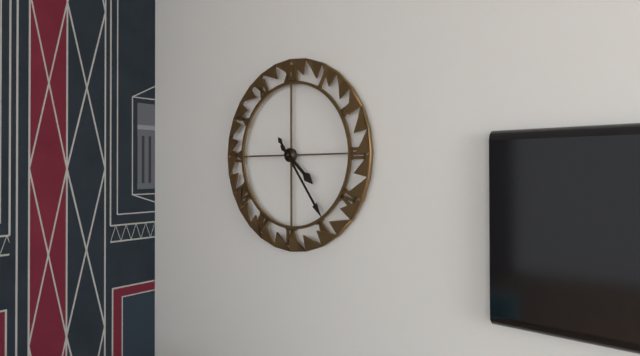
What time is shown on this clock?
4:24
